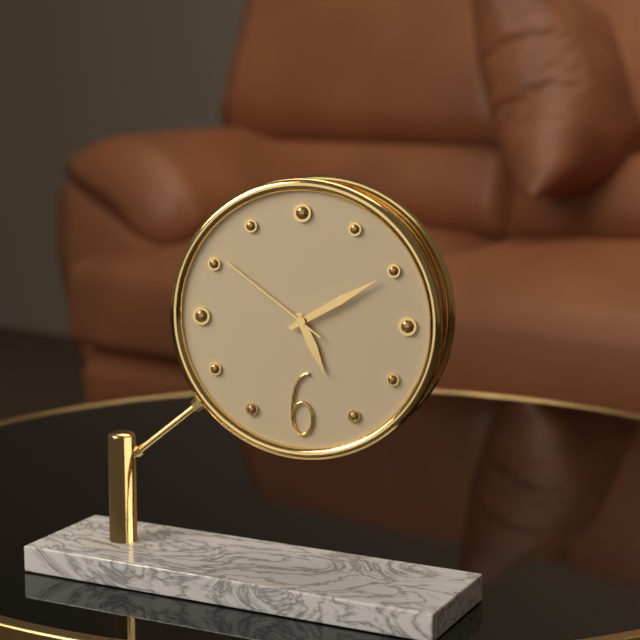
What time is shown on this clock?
5:10:51
